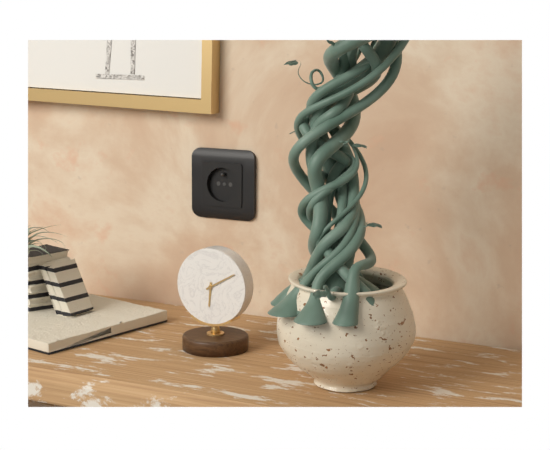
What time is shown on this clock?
6:10
